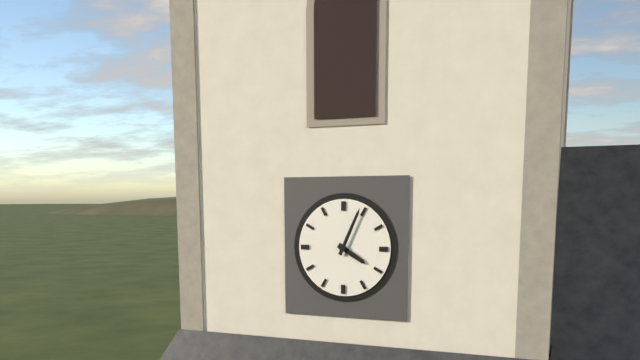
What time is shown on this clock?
4:04
